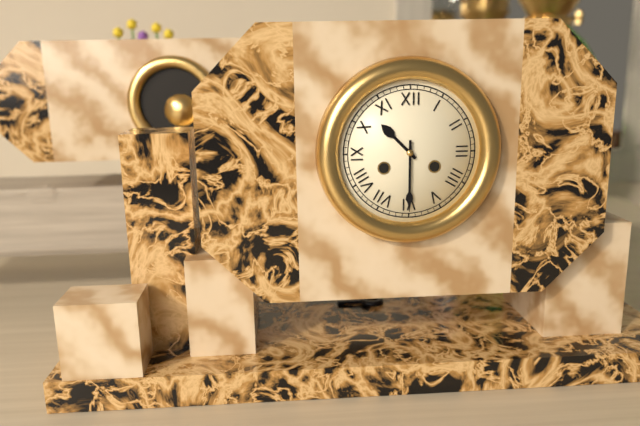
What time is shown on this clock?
10:30
